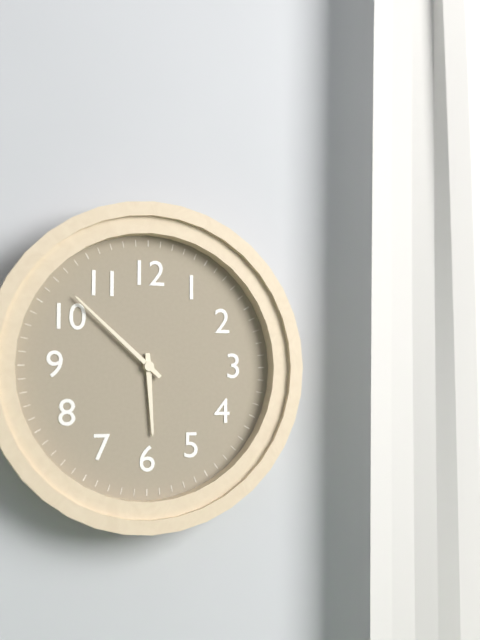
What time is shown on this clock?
5:52
